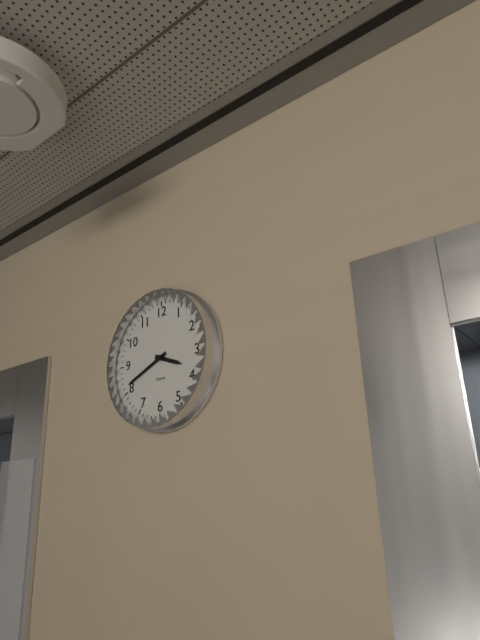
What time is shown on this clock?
3:41
